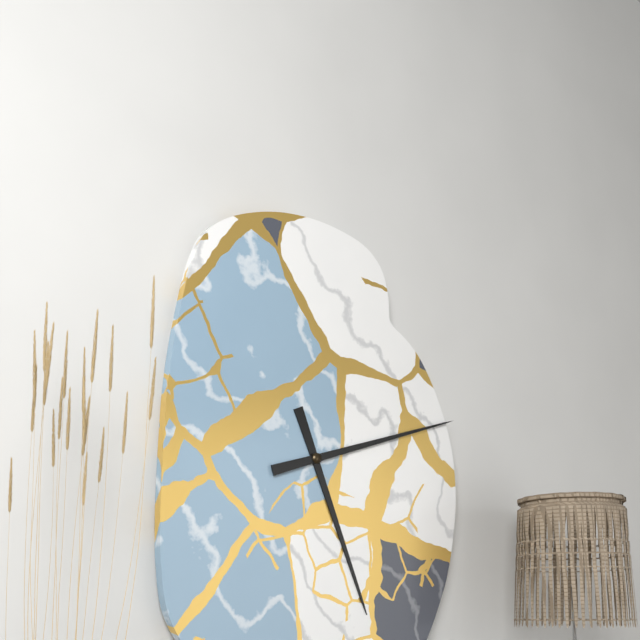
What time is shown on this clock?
5:12
